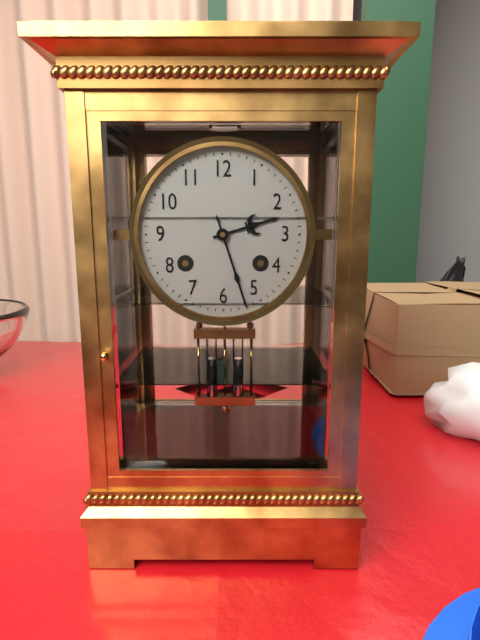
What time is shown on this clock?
2:27
